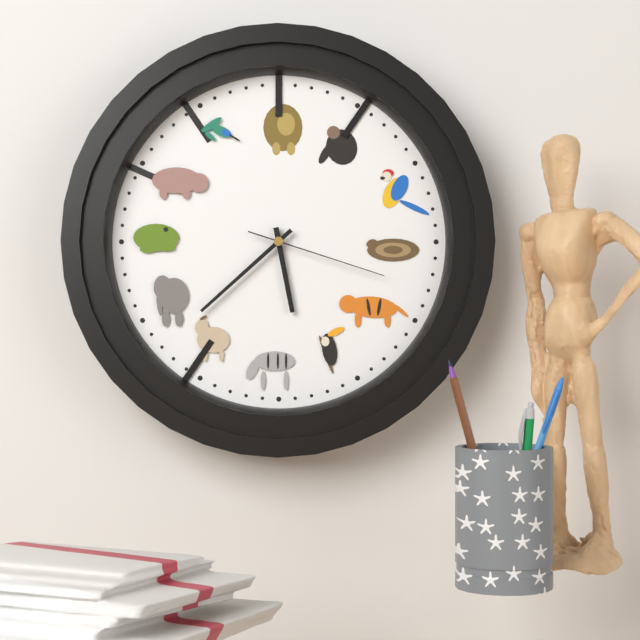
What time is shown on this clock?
5:38:18
